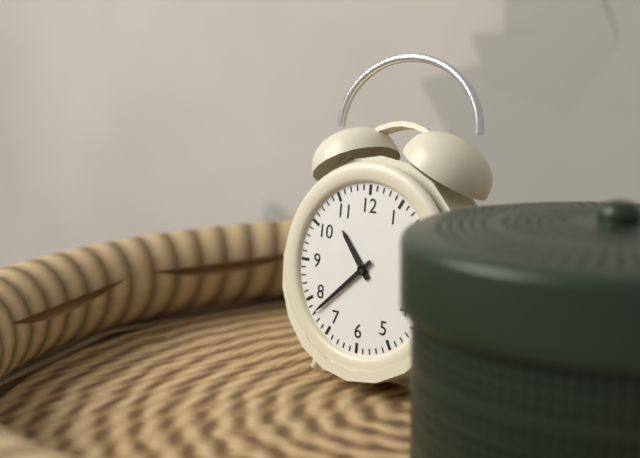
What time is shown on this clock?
10:38
